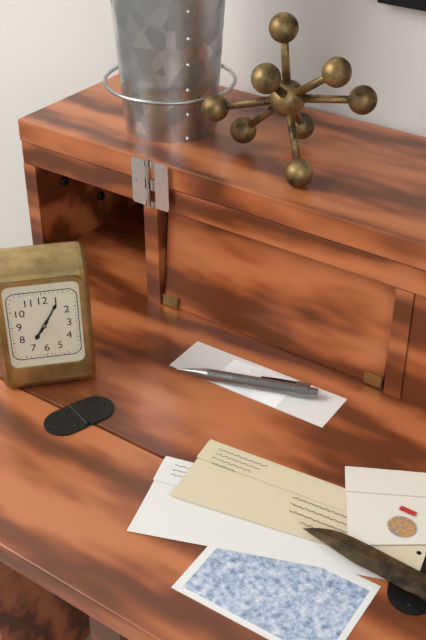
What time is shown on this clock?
7:05
